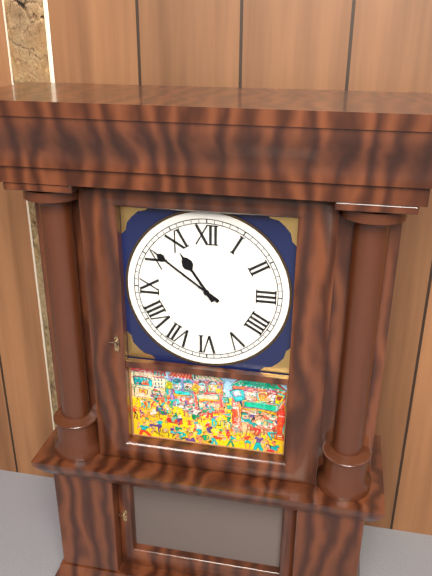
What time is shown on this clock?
10:51
